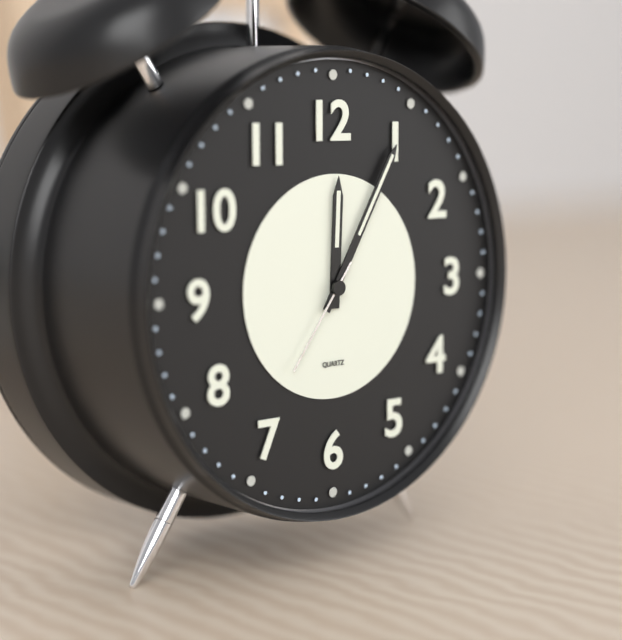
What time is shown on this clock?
12:05:36
